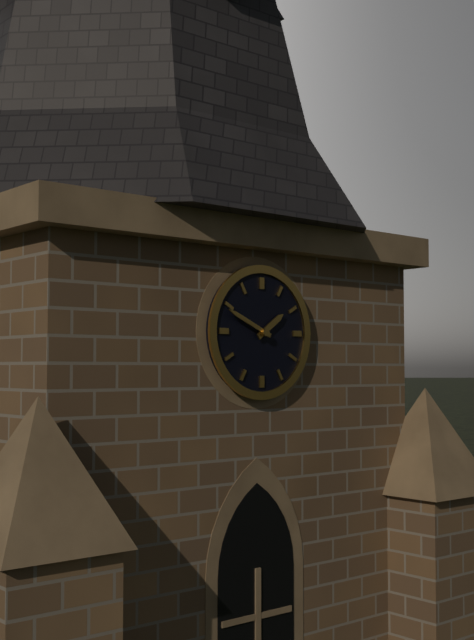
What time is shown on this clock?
1:49
